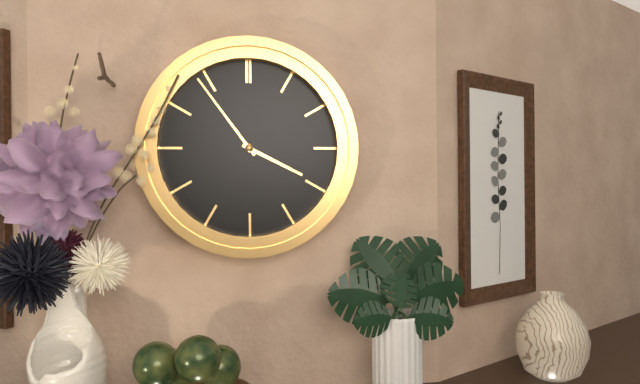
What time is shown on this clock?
3:54
